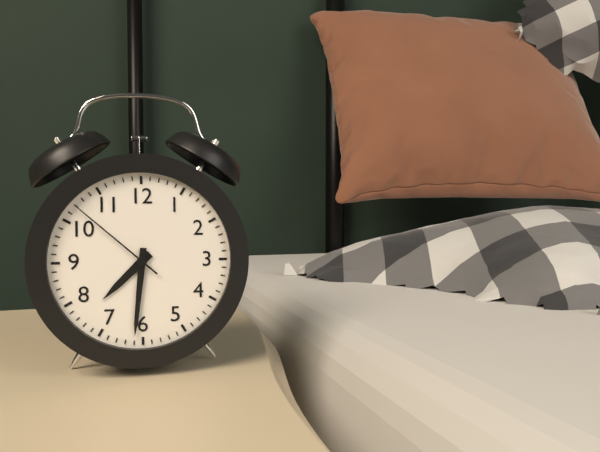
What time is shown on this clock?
7:31:52
